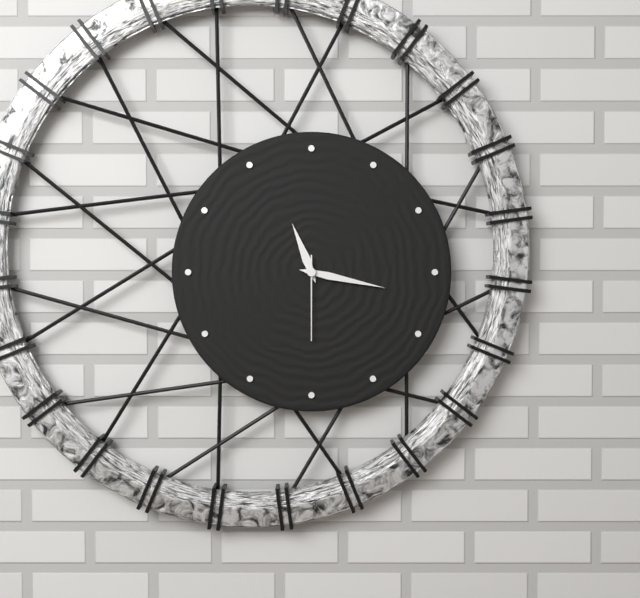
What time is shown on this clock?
11:17:30
